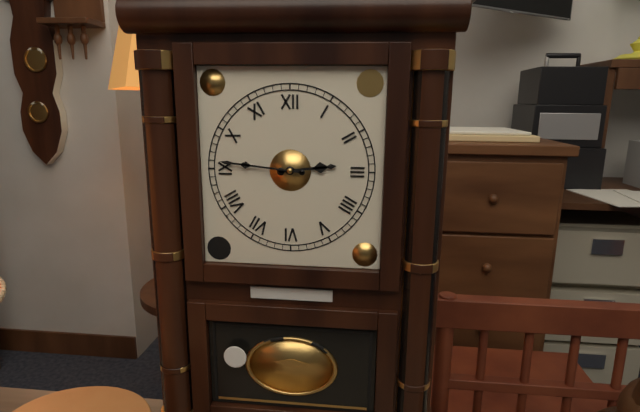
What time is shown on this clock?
2:46
